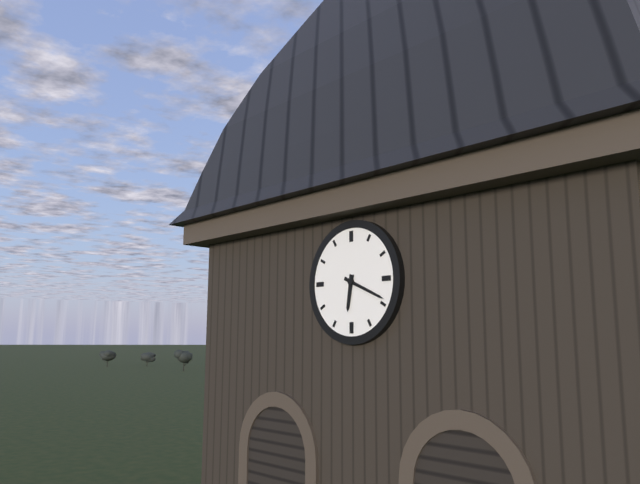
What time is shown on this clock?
6:19
